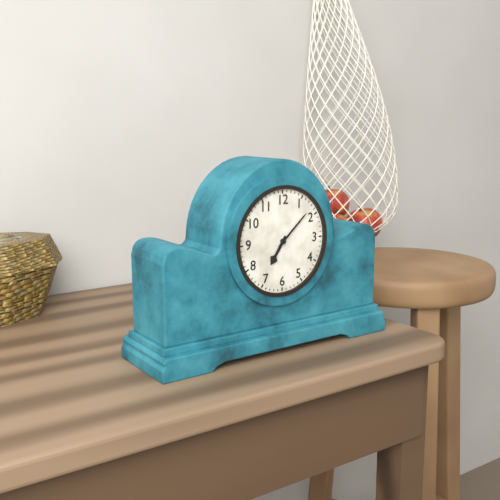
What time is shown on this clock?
7:08
